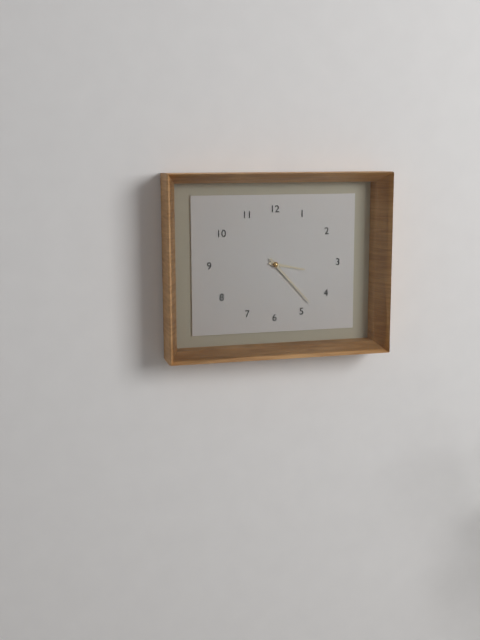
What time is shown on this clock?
3:23
